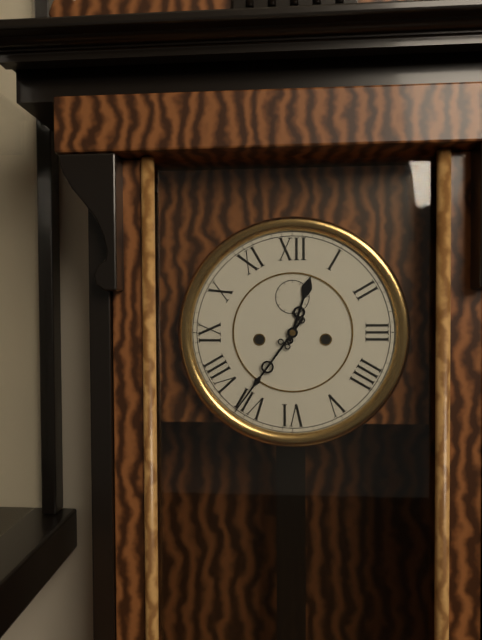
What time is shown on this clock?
12:36
